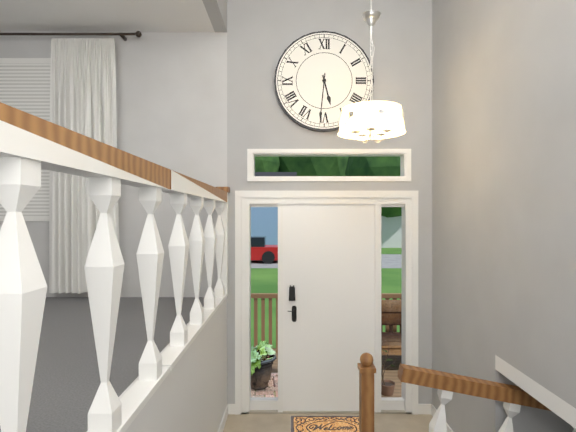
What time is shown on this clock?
5:31
